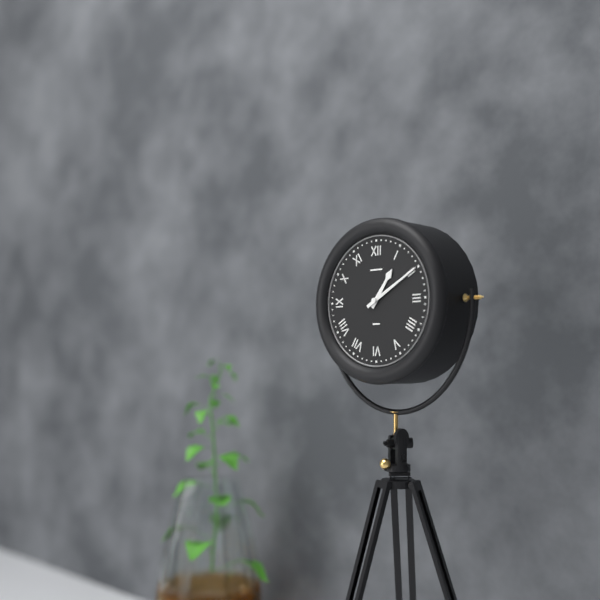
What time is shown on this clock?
1:10
